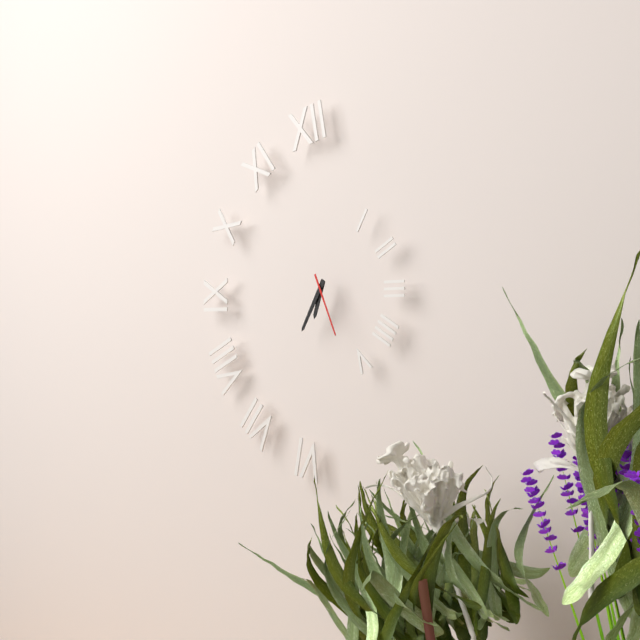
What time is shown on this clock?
6:35:26
